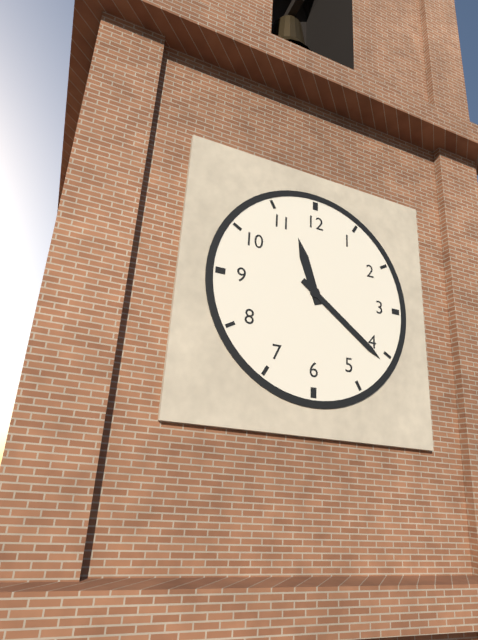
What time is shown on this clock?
11:21
